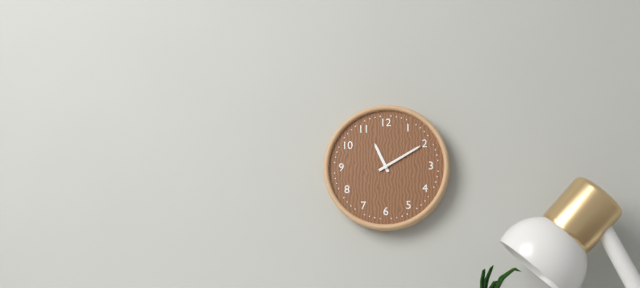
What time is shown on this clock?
11:10
